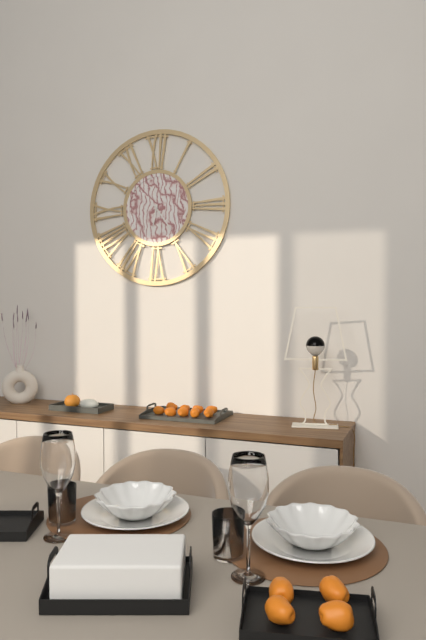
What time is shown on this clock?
6:24
